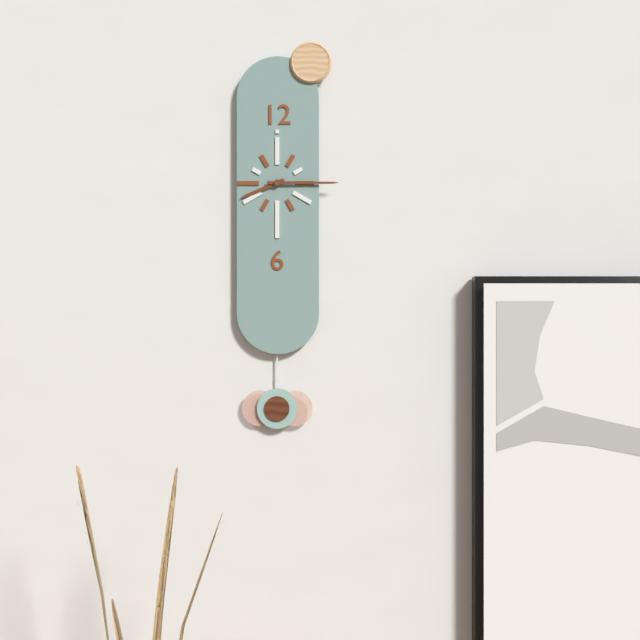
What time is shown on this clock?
8:15
